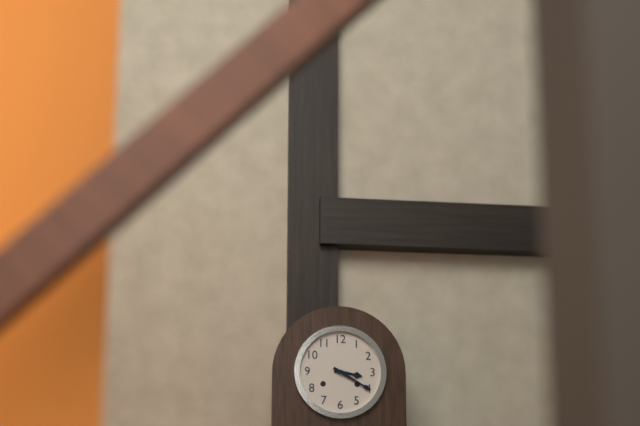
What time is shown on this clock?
3:20
